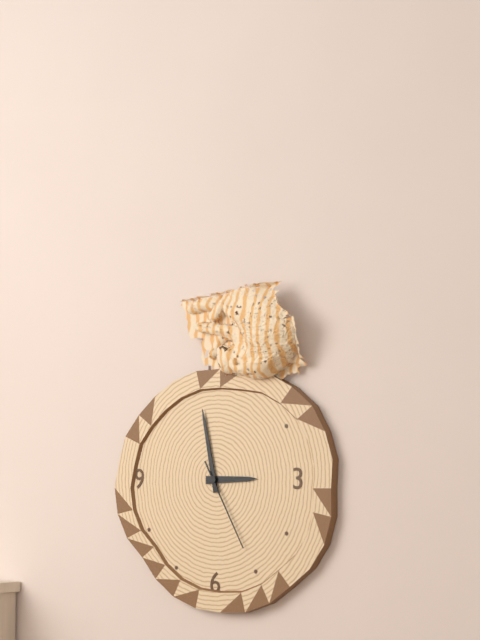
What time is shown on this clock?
2:58:25
